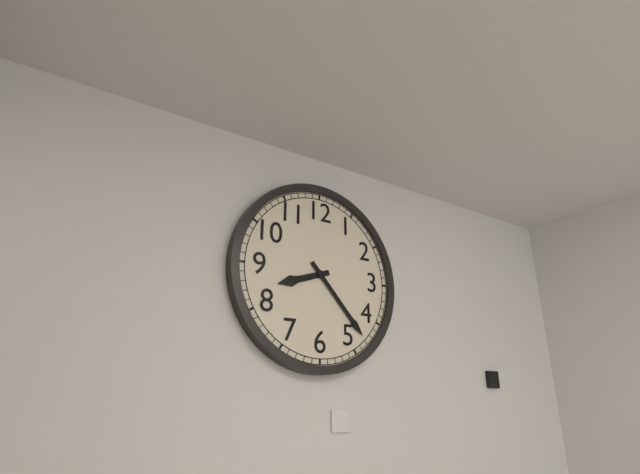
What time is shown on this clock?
8:23
